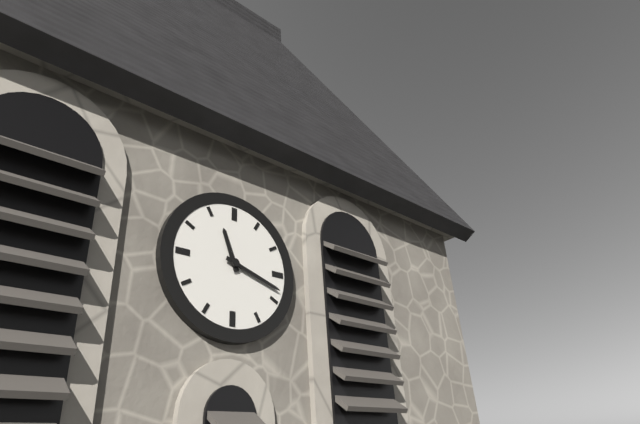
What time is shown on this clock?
11:18
